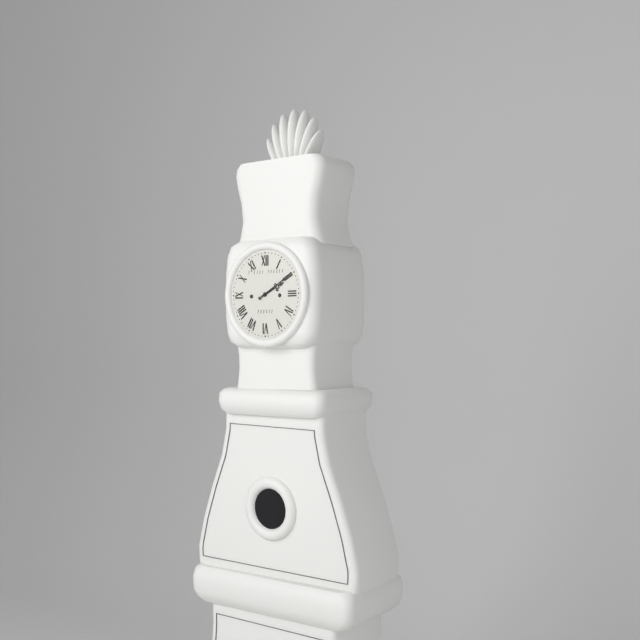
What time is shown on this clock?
2:10
